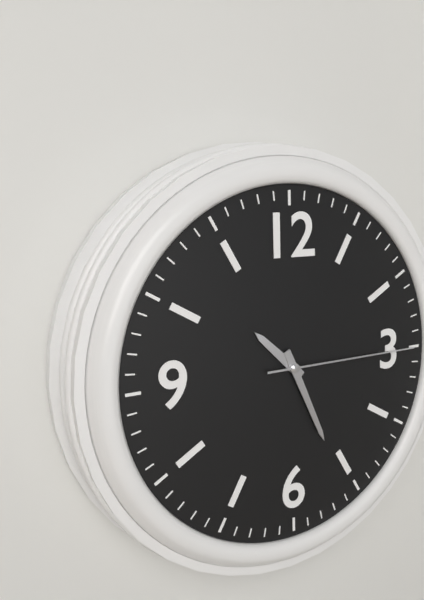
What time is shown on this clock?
10:26:15
